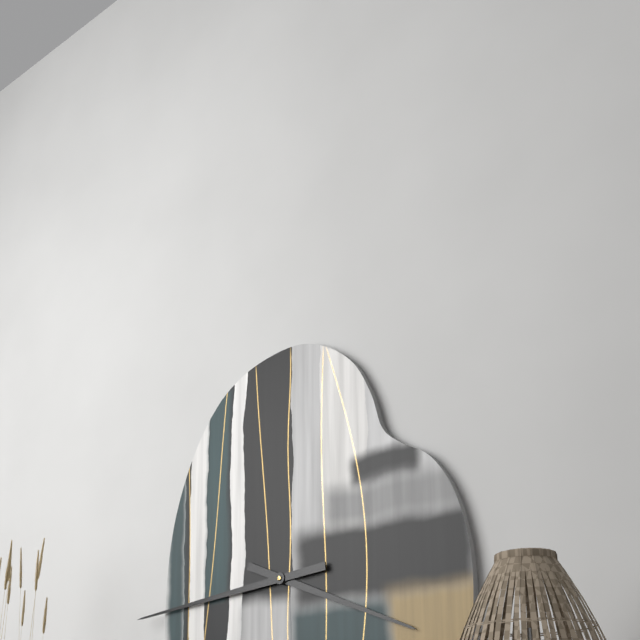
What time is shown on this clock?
3:44
